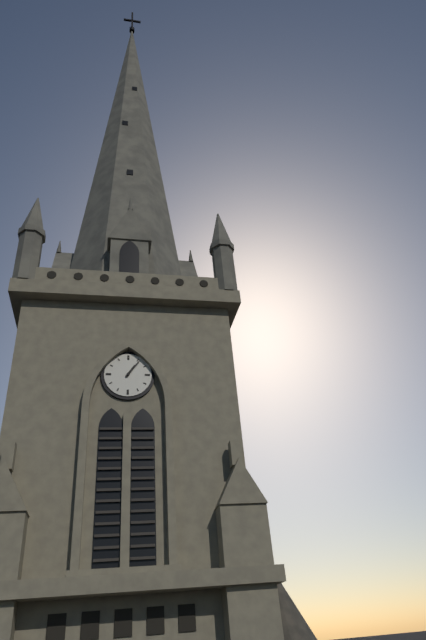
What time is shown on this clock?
1:06
